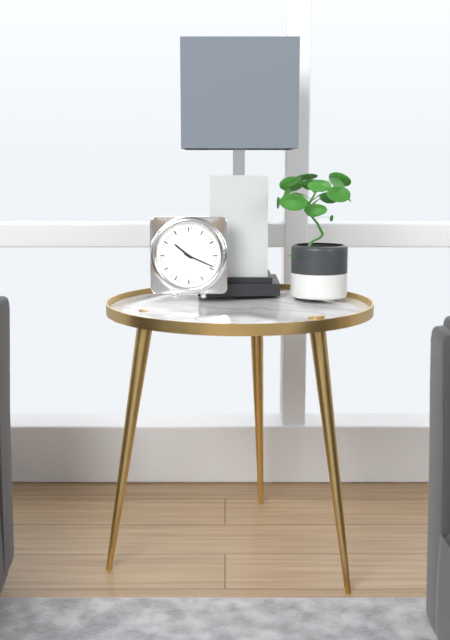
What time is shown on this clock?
10:19
